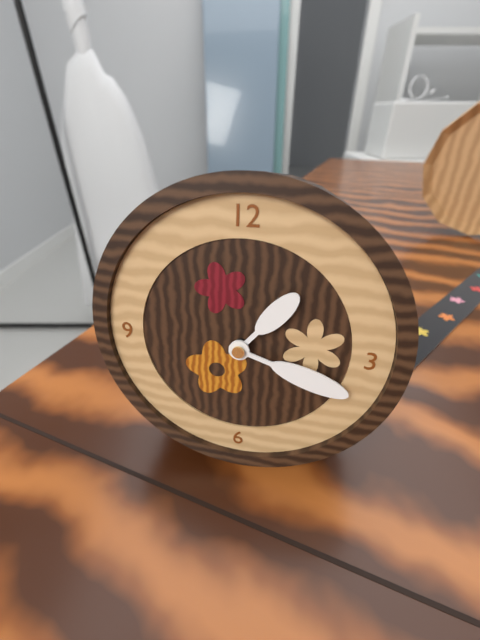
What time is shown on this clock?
1:18
